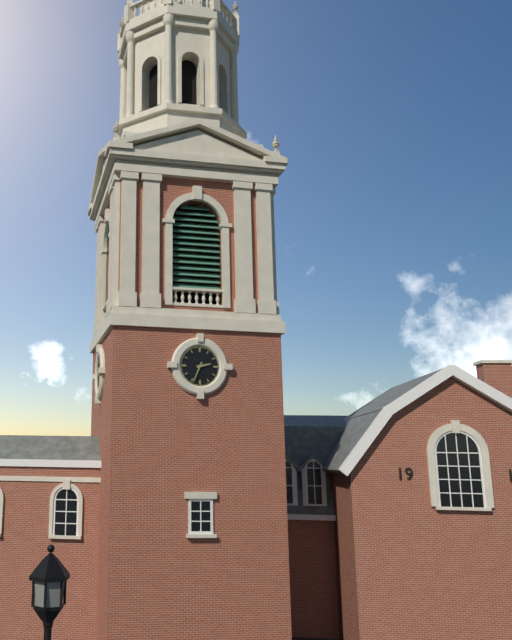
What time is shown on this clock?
2:34
